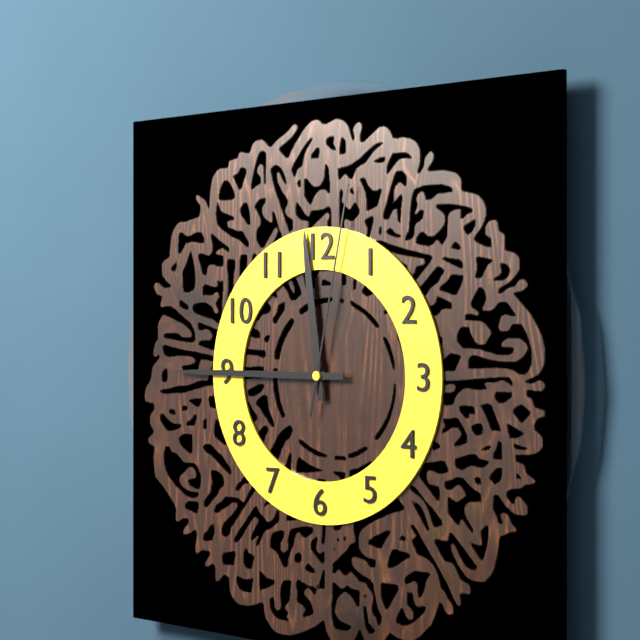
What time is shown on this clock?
11:45:02
